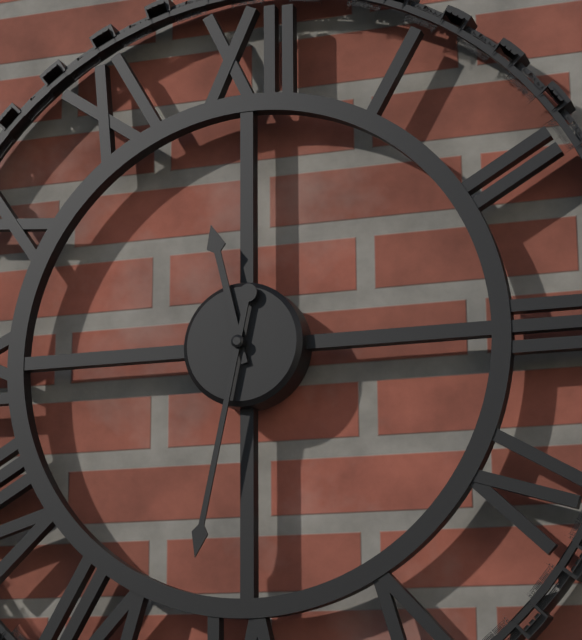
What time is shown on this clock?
11:32
